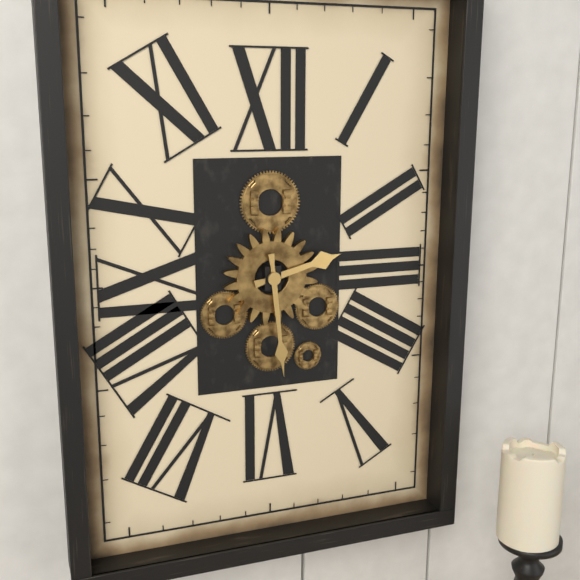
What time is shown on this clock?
2:29
